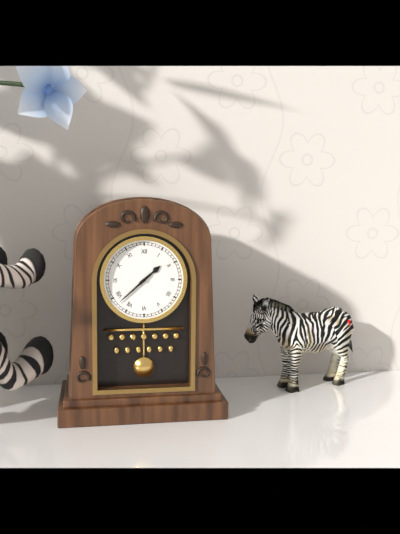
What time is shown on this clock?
1:38
